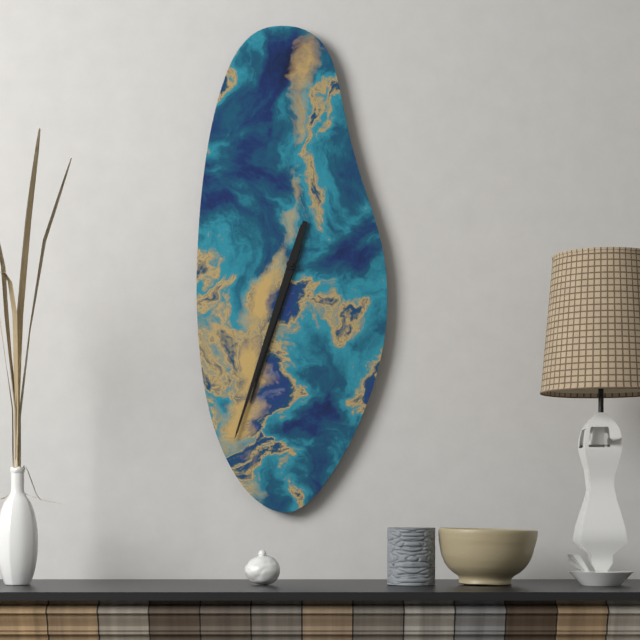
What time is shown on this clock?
6:33
